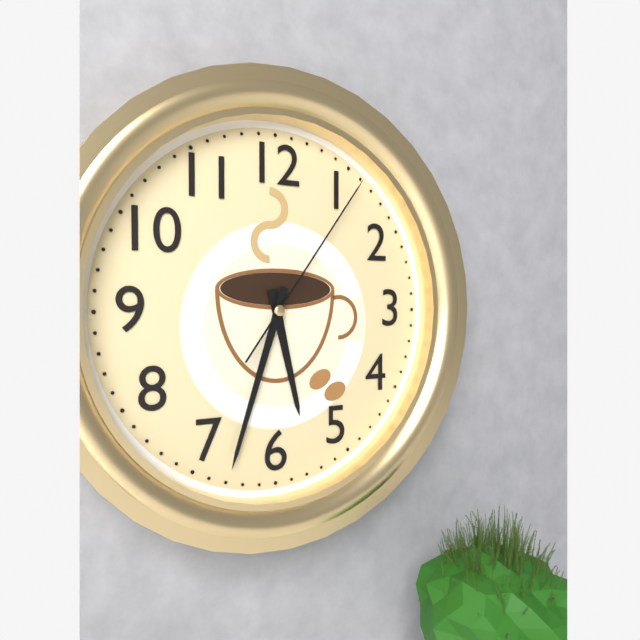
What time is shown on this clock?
5:33:06
